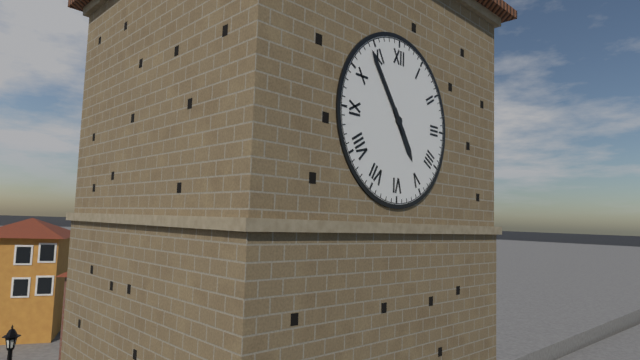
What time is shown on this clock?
4:54
